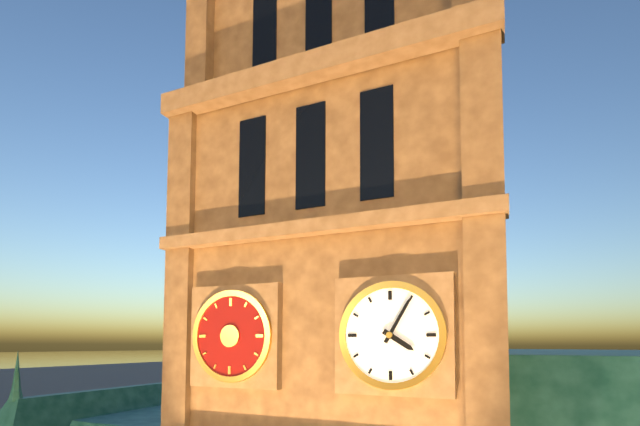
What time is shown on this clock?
4:05
